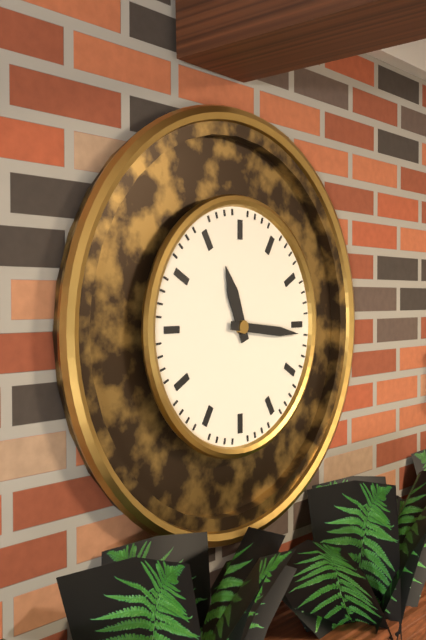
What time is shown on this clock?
11:16
